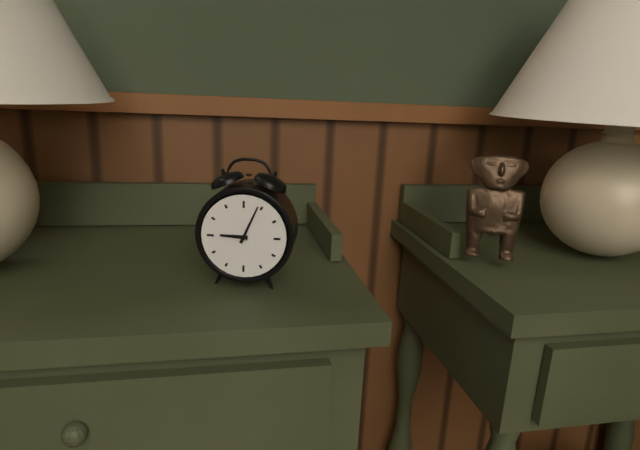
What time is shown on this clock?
9:04
